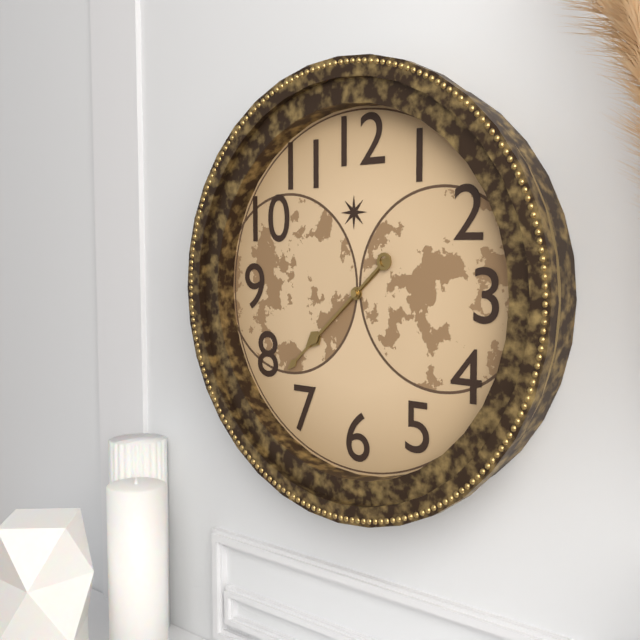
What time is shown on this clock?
7:38
